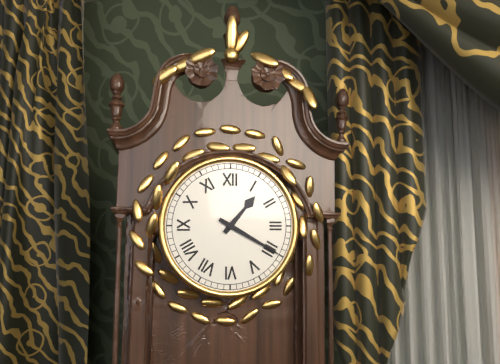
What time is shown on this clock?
1:20
